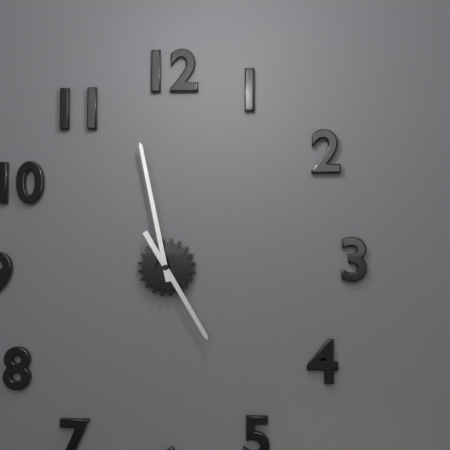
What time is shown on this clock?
4:58
